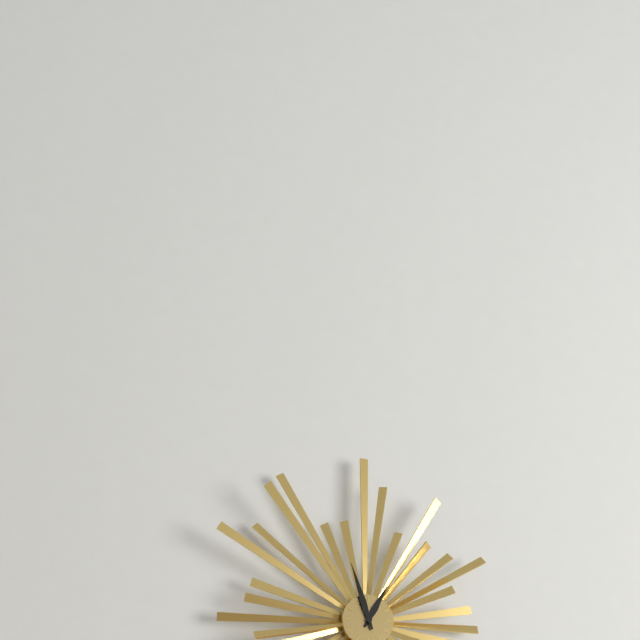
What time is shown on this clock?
12:57
